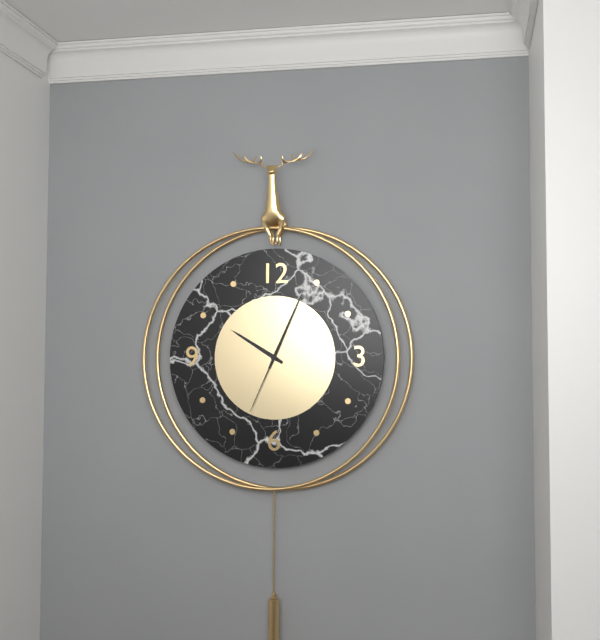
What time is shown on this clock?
10:04:34
